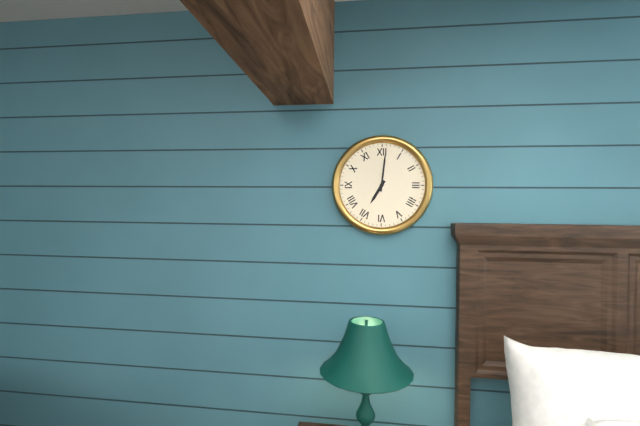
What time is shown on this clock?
7:01
